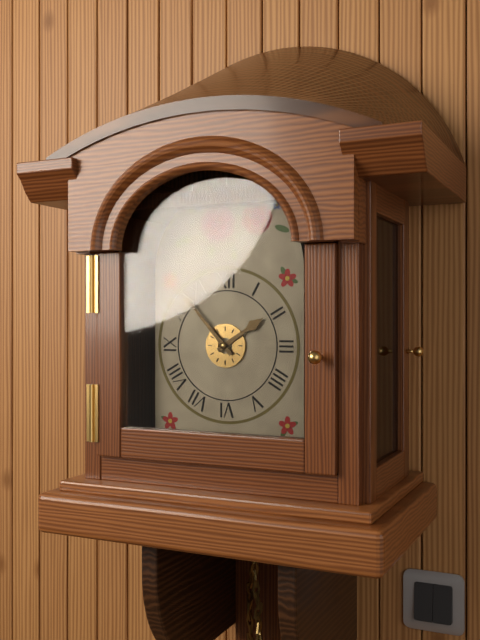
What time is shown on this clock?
1:53
